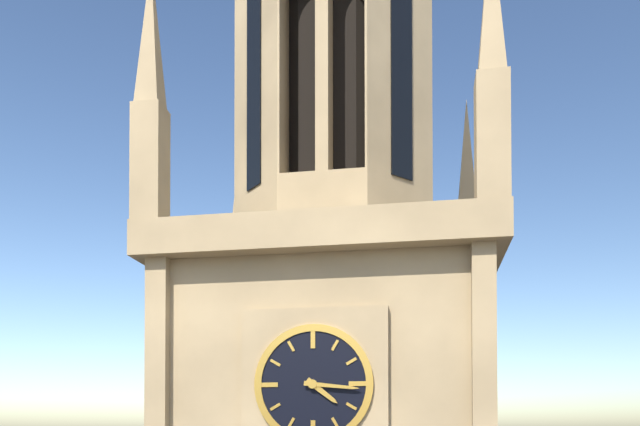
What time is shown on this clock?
4:16
